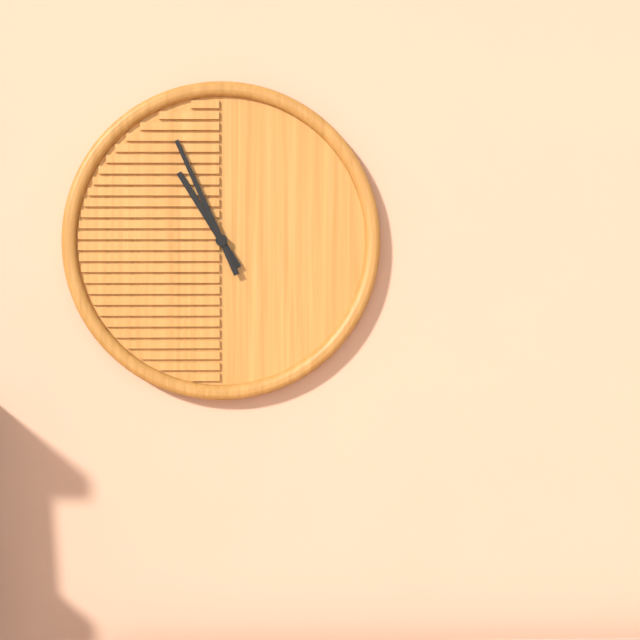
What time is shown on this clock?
10:56
